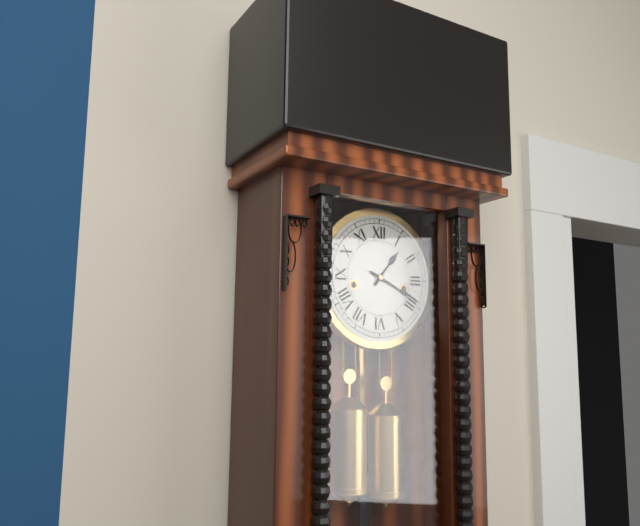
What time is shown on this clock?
1:19
